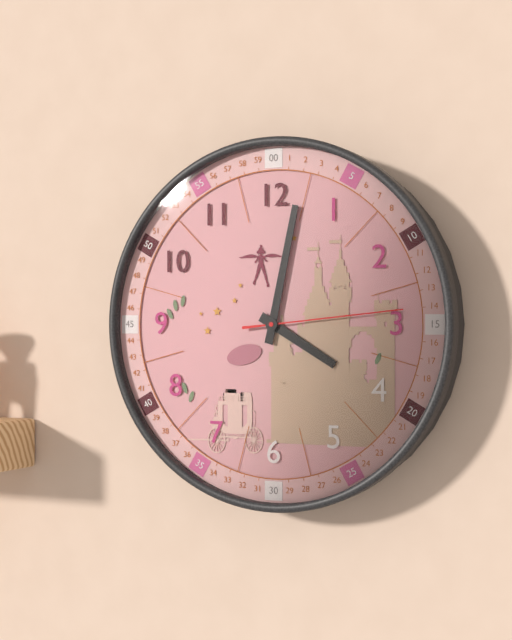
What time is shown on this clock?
4:02:14
